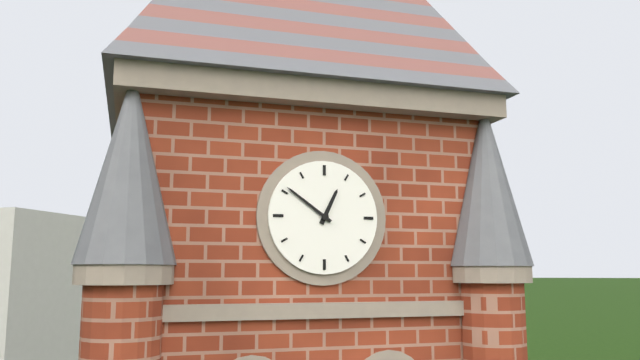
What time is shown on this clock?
12:51
